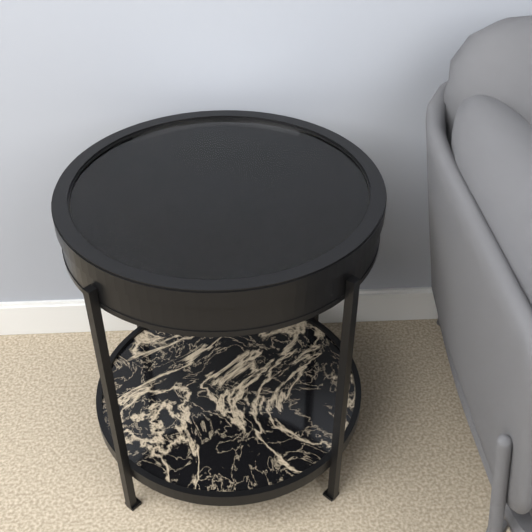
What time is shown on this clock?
12:18
